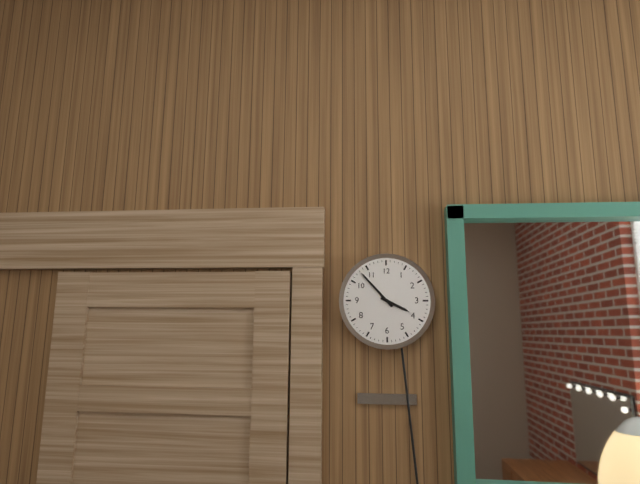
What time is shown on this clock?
3:53
